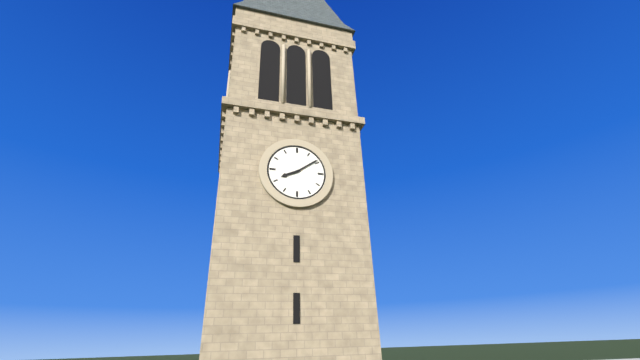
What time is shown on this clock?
8:09
